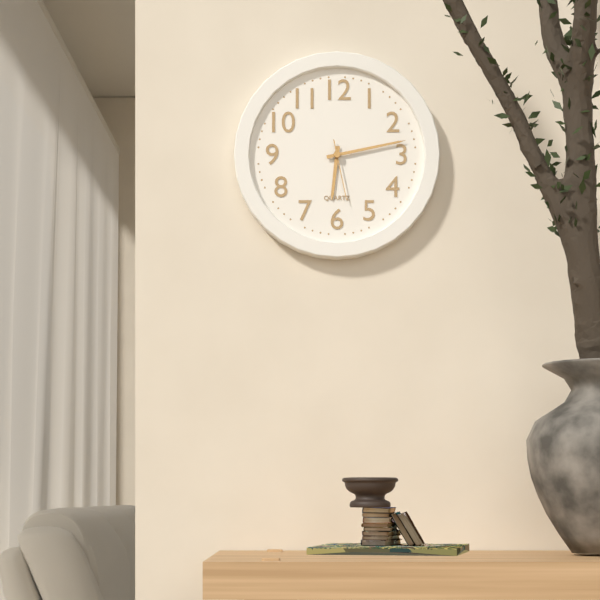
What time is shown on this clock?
6:13:28
